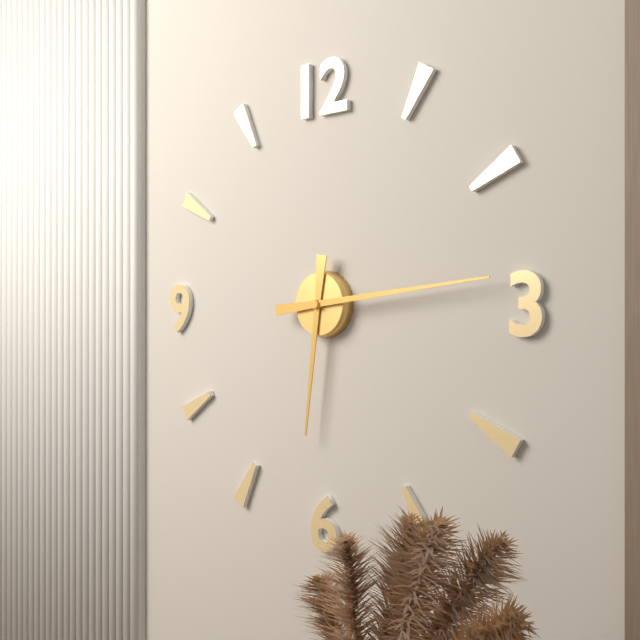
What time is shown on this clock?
6:14
